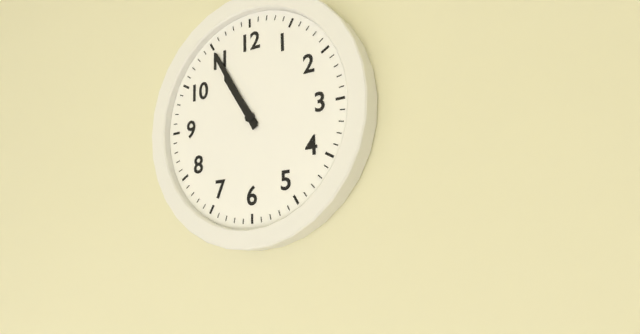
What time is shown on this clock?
10:55
